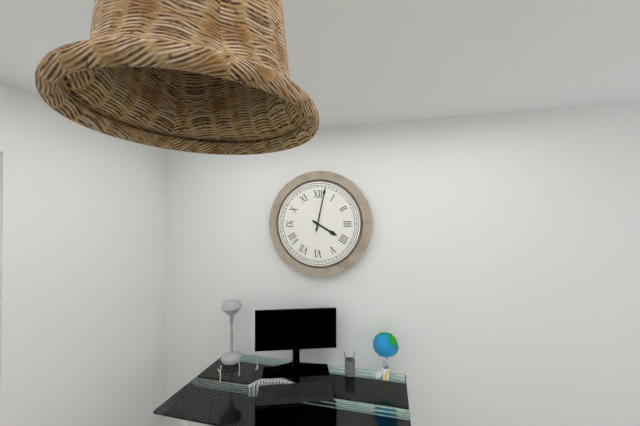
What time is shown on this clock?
4:02
